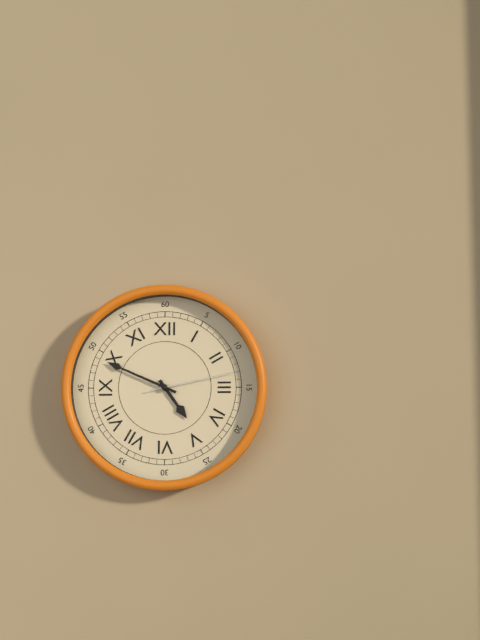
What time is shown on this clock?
4:49:13
